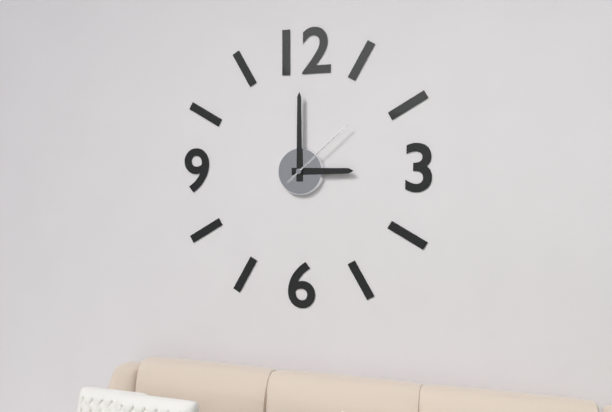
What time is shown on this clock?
3:00:08
